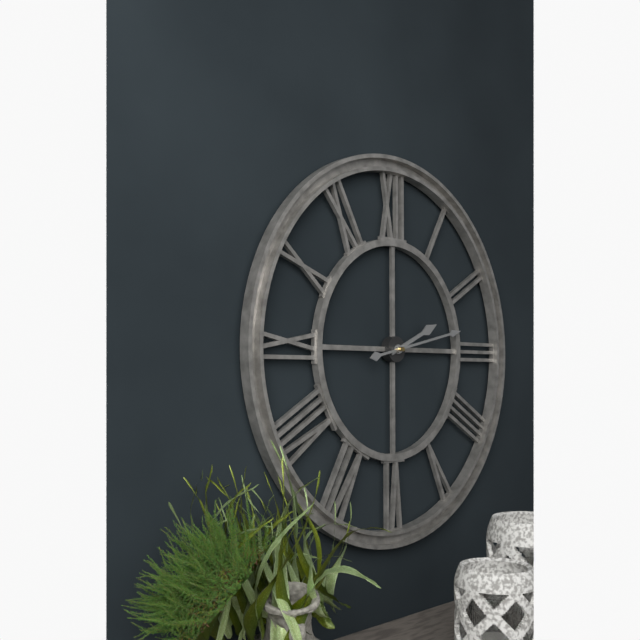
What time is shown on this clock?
2:13
